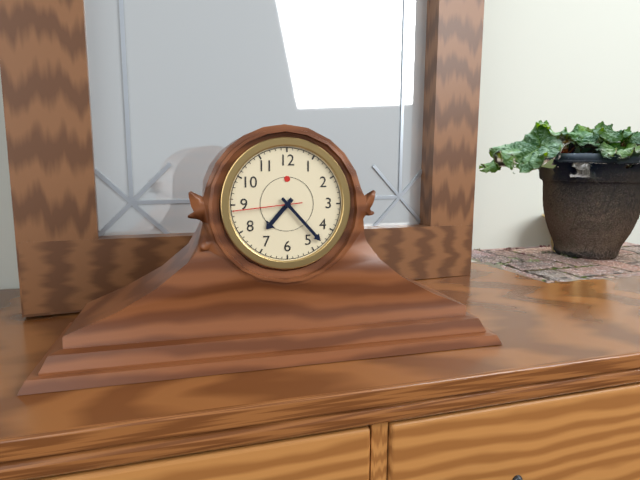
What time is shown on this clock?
7:23:44
